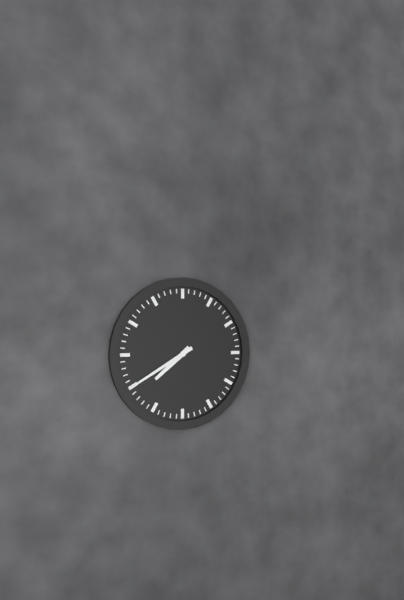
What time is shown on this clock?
7:40
